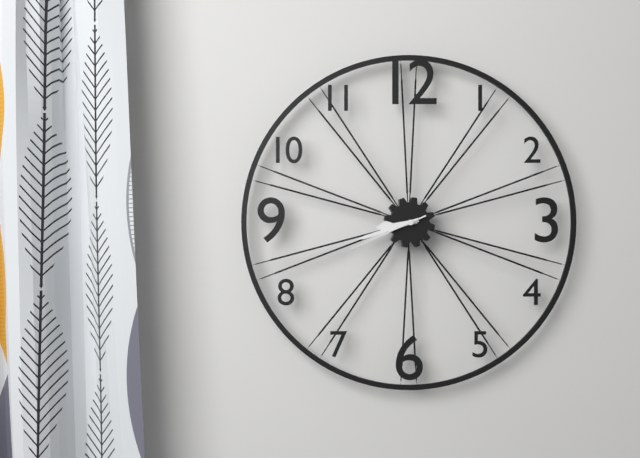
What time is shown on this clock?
8:42:41
